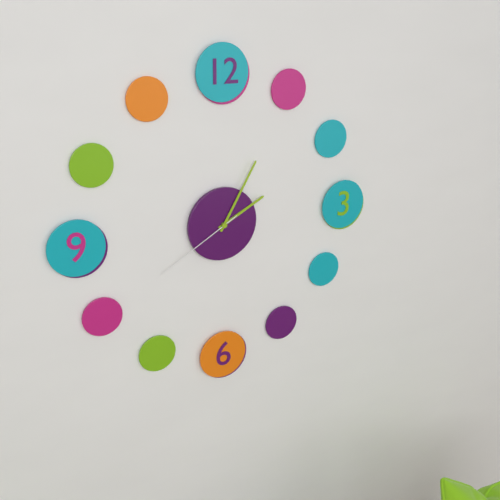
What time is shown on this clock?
2:05:40
